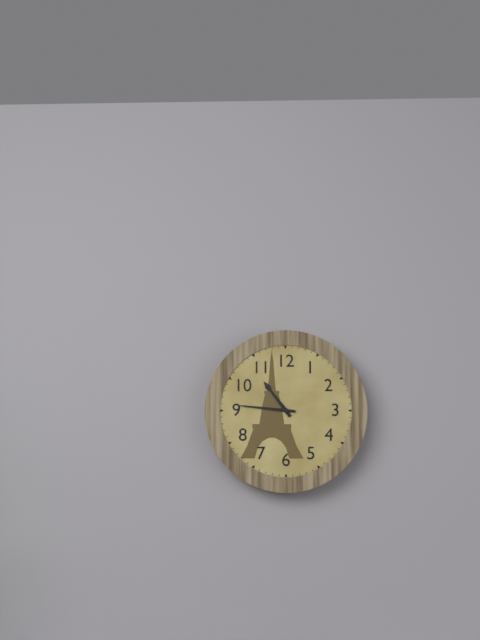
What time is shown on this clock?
10:46
